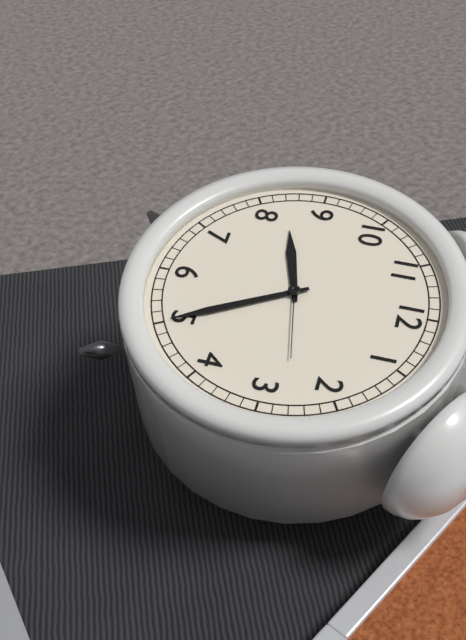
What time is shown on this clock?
8:25:13
